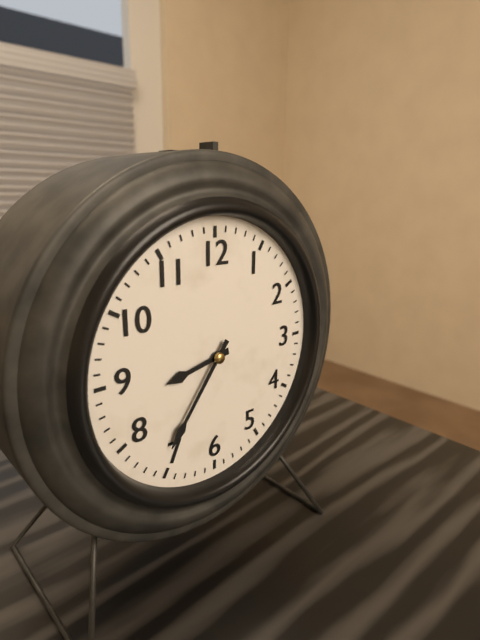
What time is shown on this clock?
8:36
